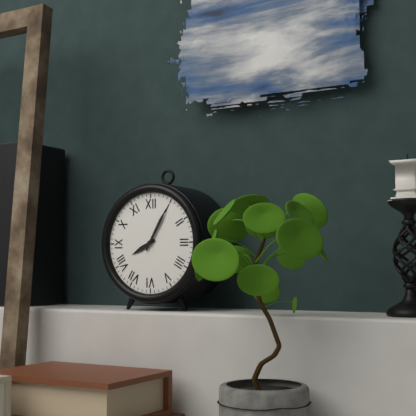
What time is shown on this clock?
8:05
